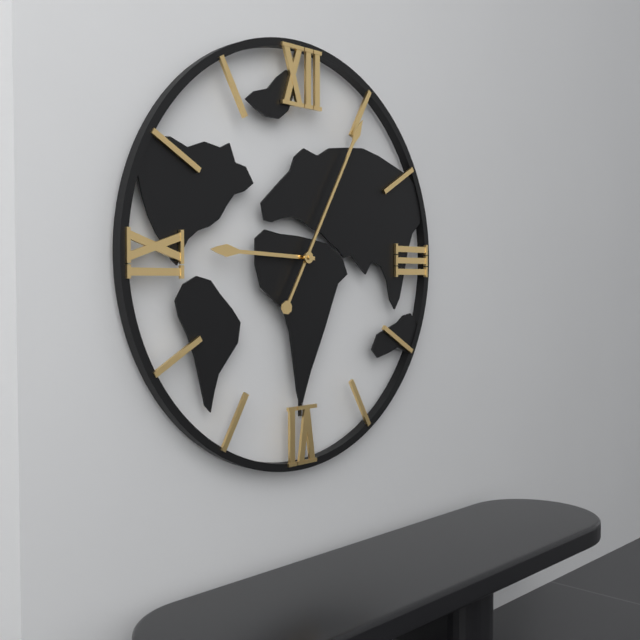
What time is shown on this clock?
9:05
